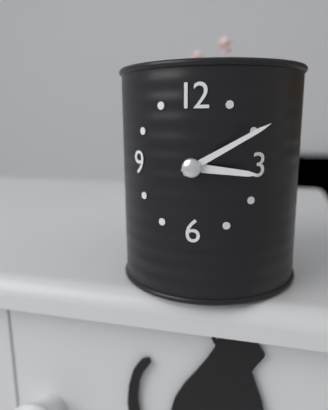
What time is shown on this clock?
3:10
